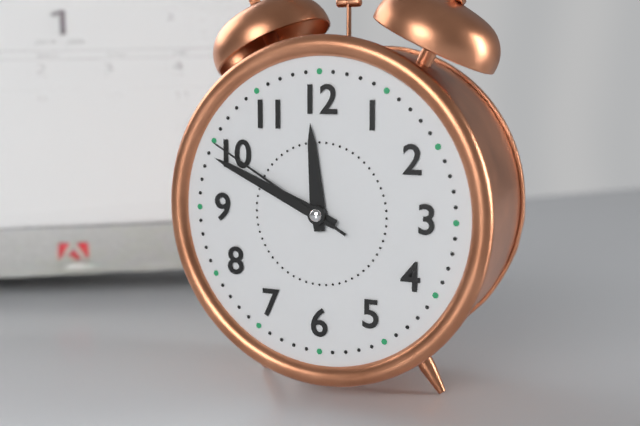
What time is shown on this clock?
11:49:50
